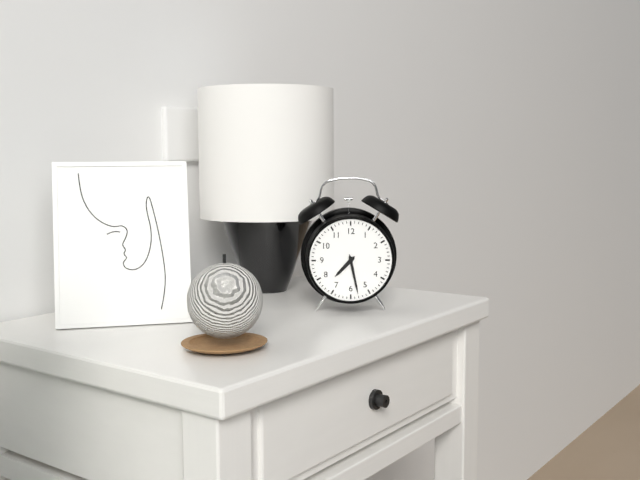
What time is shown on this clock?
7:28
